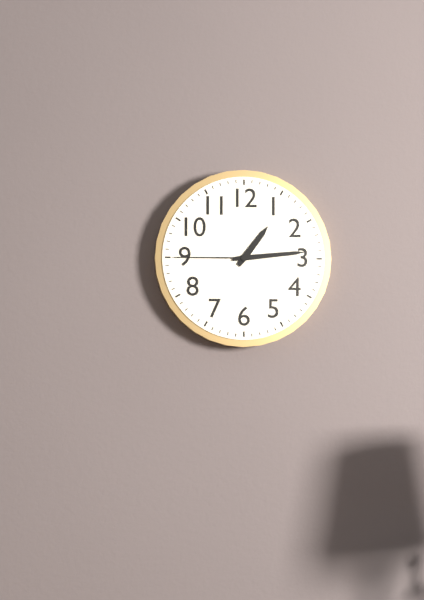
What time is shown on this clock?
1:14:45
